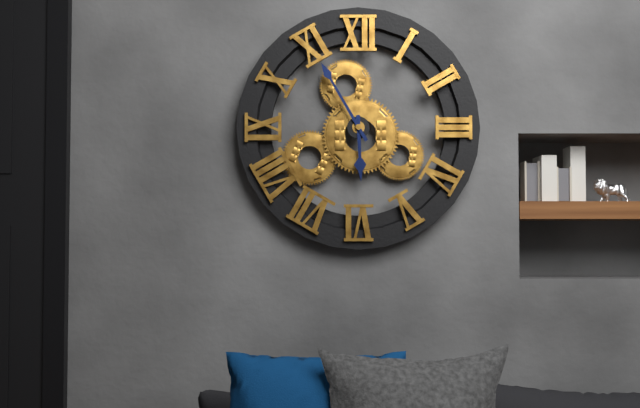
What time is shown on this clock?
5:55
